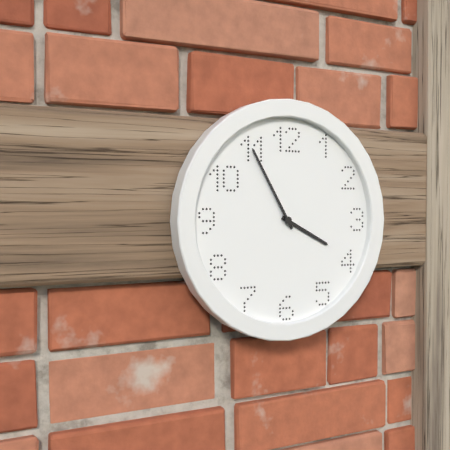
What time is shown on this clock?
3:55
